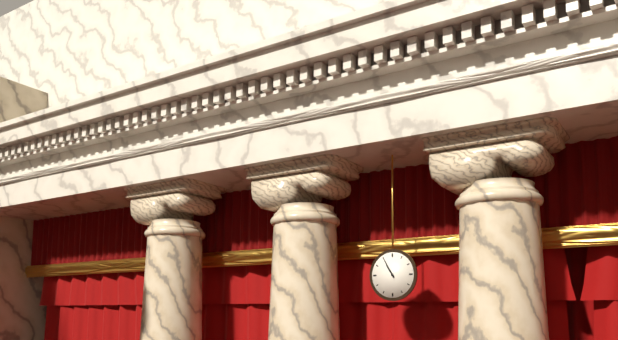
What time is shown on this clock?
10:55
